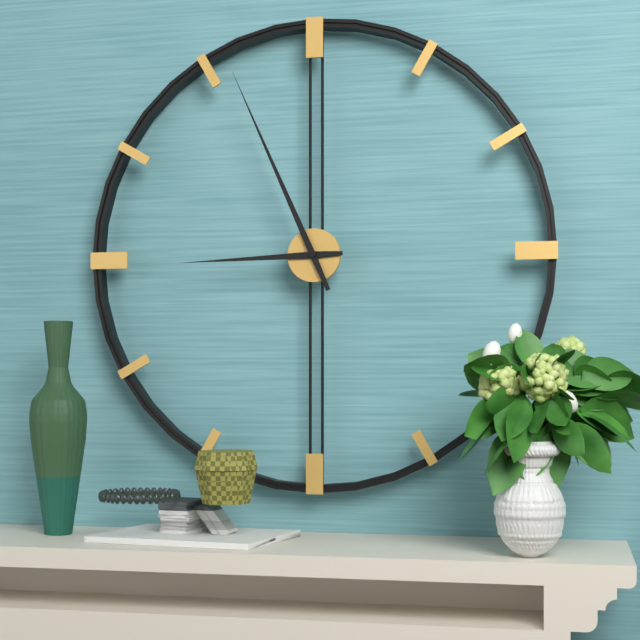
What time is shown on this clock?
8:56
